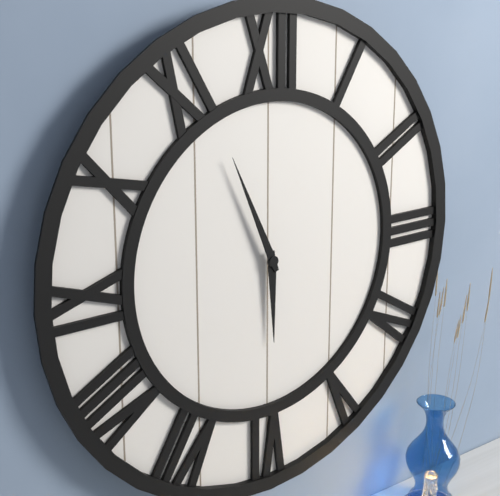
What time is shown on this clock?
5:56
